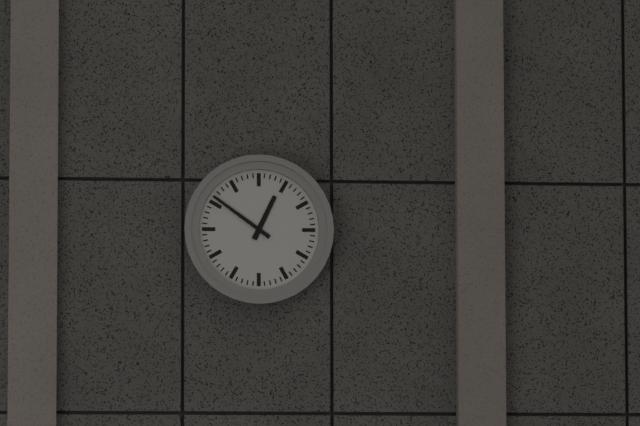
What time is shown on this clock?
12:51
